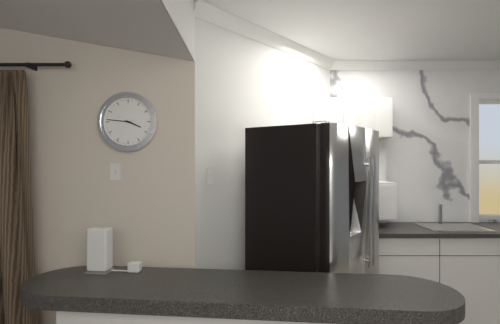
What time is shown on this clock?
3:46
